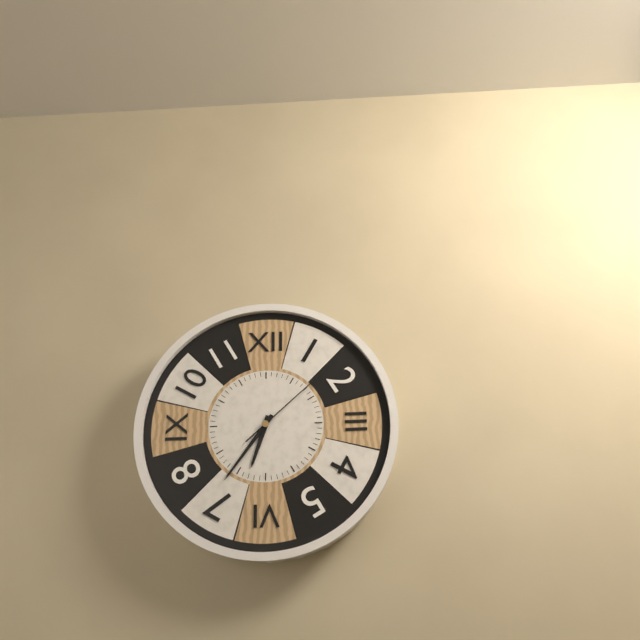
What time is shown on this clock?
6:36:08
